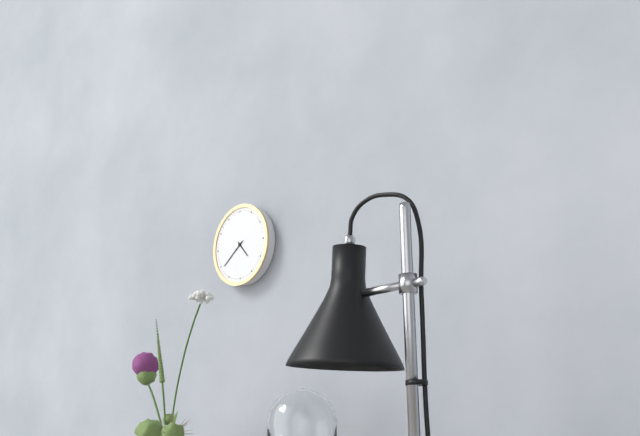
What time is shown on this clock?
4:39
